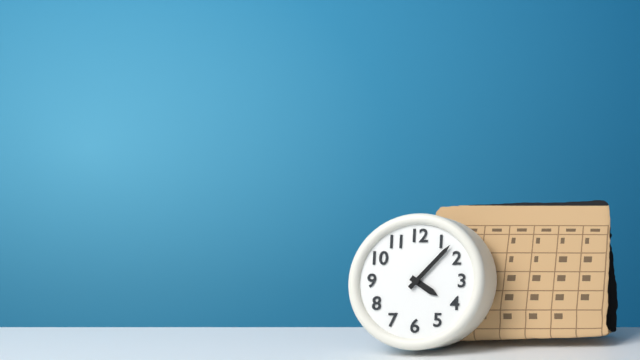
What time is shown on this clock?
4:07
